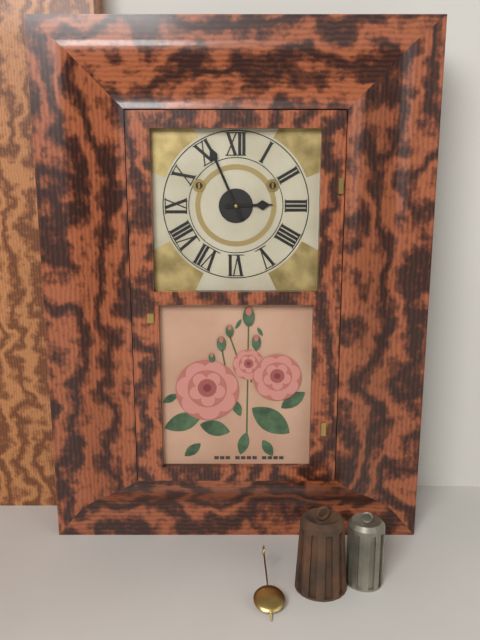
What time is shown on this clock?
2:56
